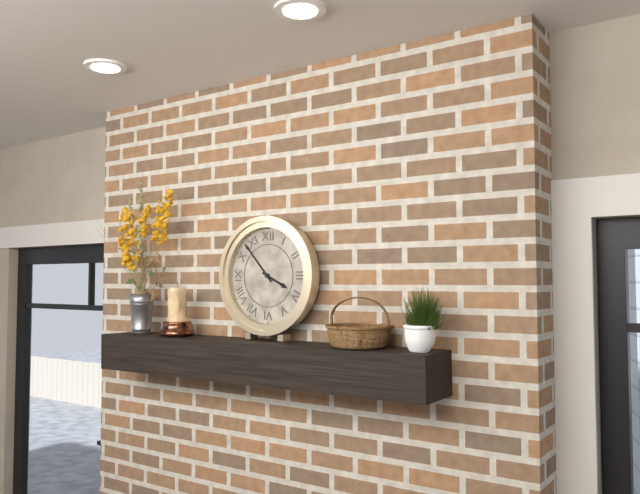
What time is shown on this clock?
3:53
